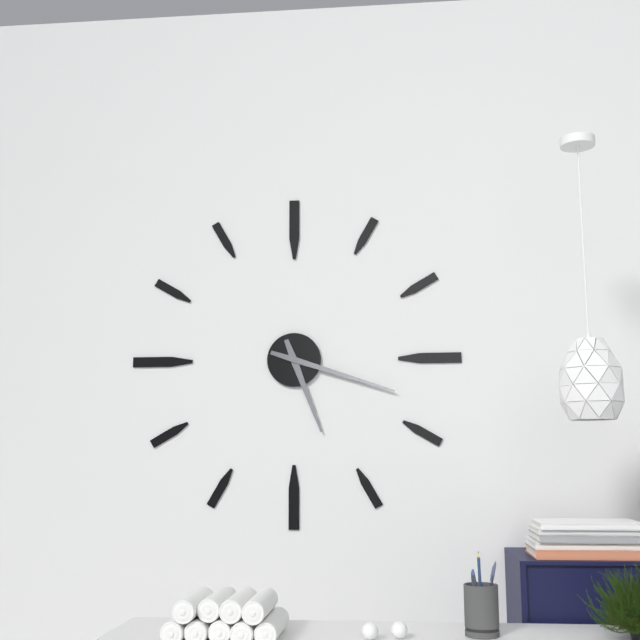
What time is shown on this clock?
5:18
